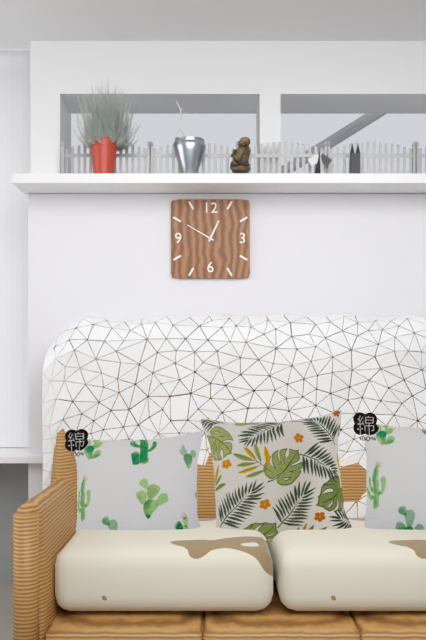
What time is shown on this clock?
12:50
